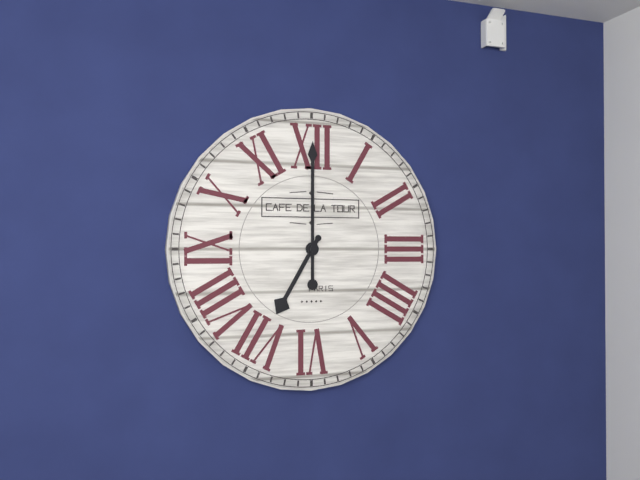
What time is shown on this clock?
7:00
